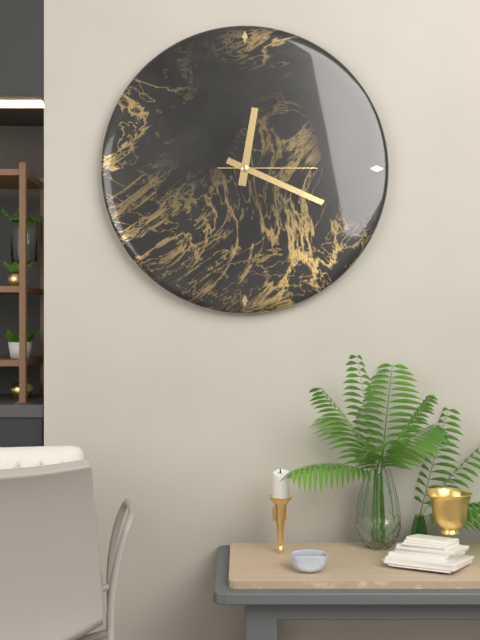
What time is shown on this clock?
12:19:15
